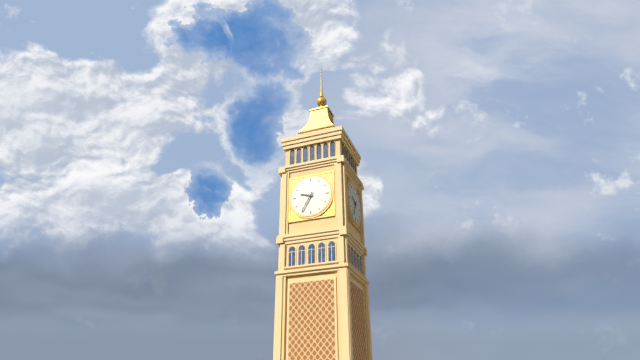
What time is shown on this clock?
9:35
